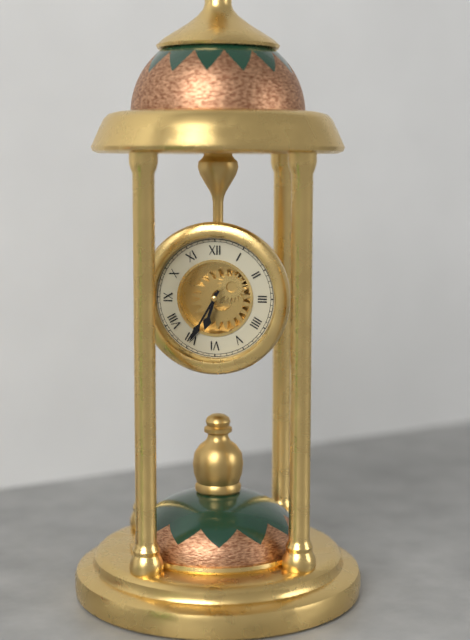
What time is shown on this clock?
6:35
